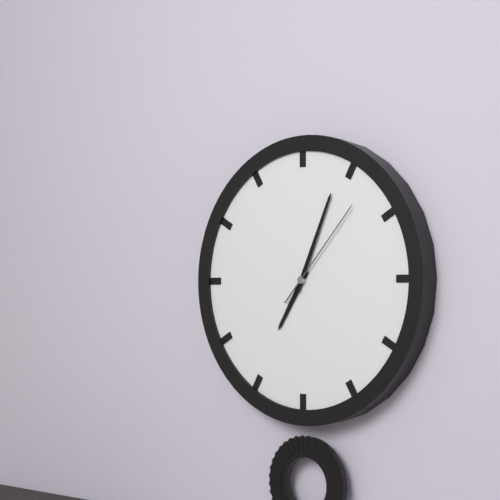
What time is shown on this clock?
7:04:07
